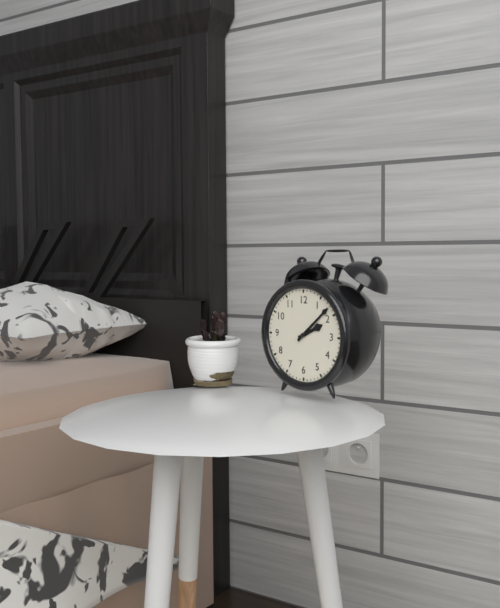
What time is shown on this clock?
2:08
